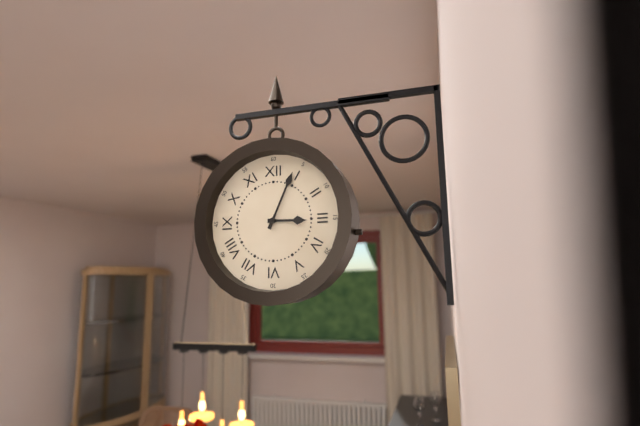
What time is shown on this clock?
3:04
